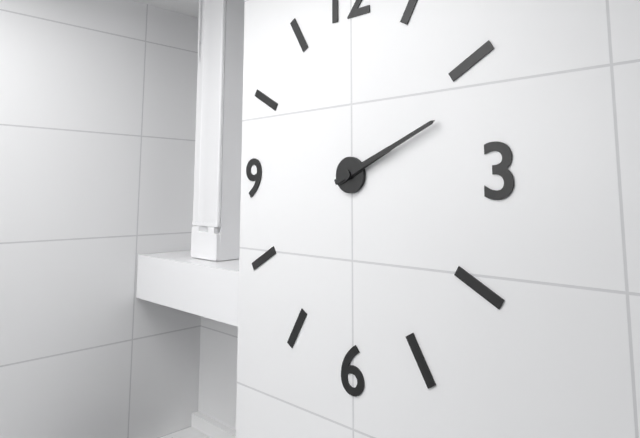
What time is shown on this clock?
2:11
